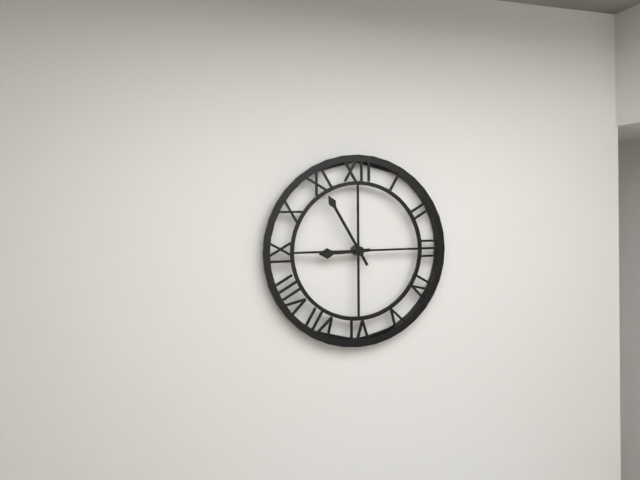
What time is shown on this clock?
8:55
